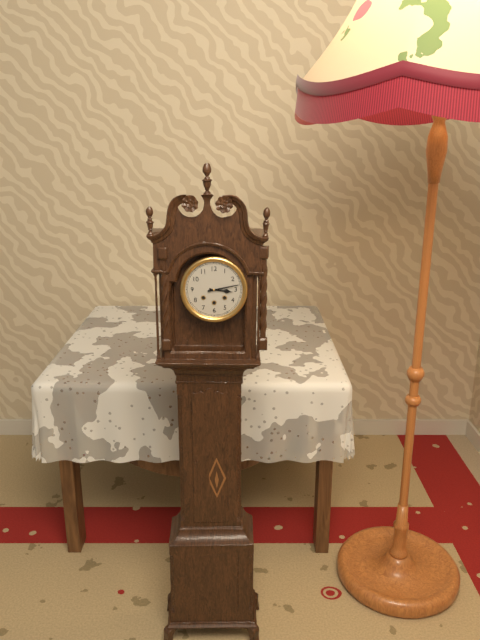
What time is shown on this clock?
3:13
